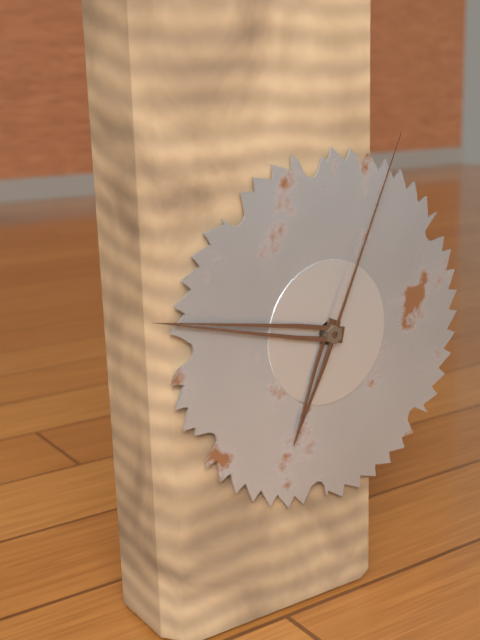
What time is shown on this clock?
6:47:04
